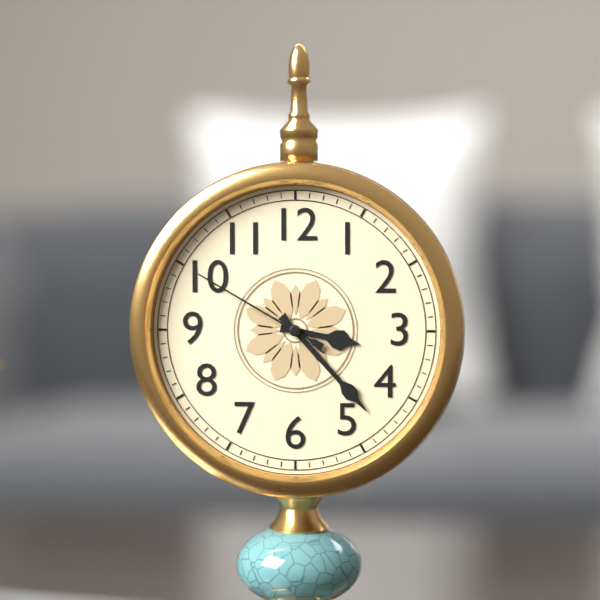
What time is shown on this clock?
3:23:50
